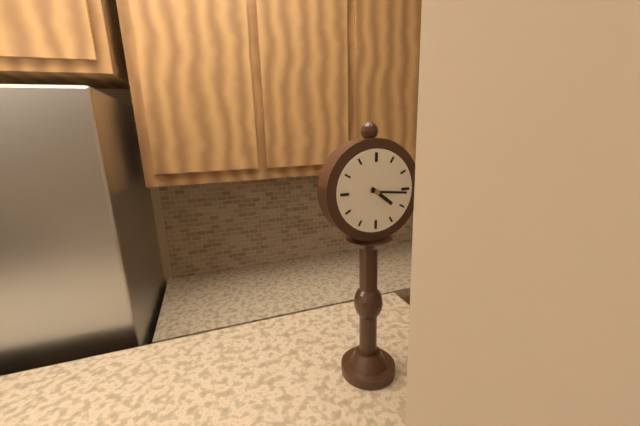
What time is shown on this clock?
4:16
